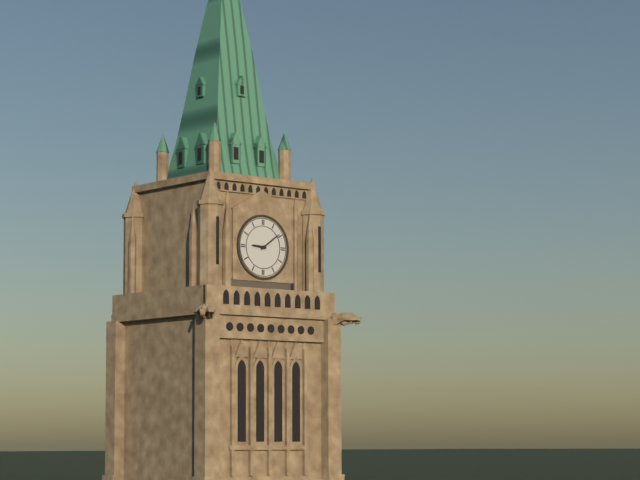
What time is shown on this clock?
9:09
